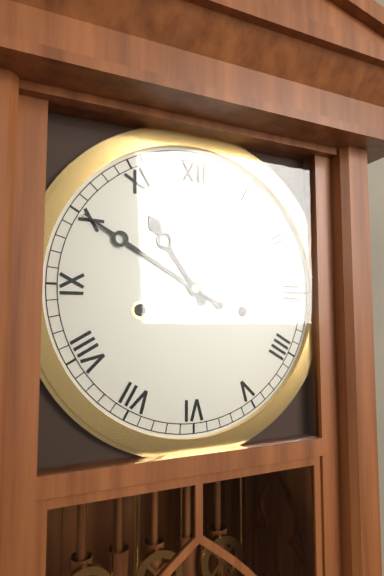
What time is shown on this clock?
10:50
